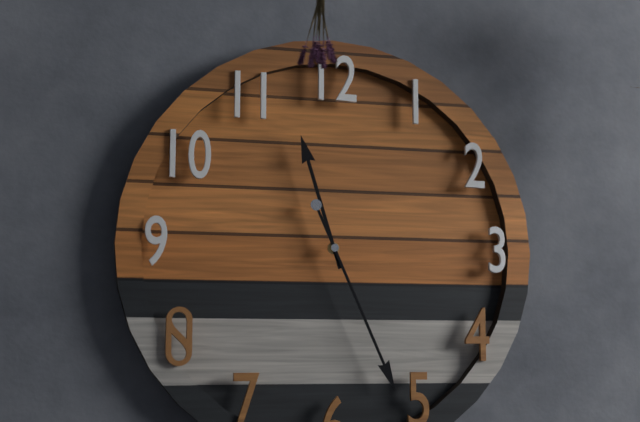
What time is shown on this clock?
11:26
